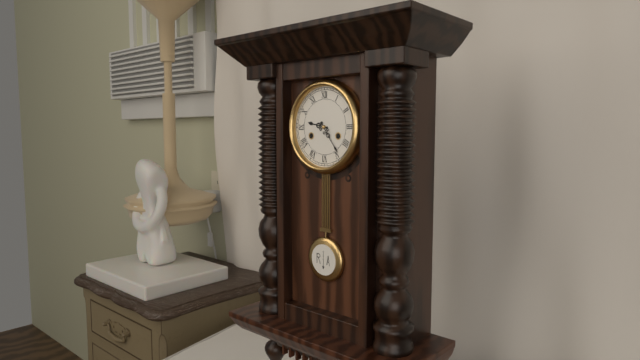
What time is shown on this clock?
9:24
